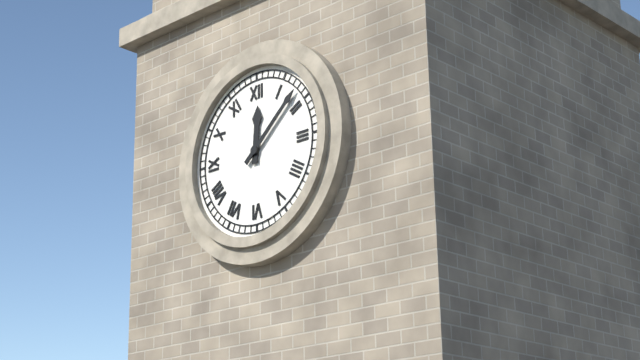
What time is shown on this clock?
12:08
